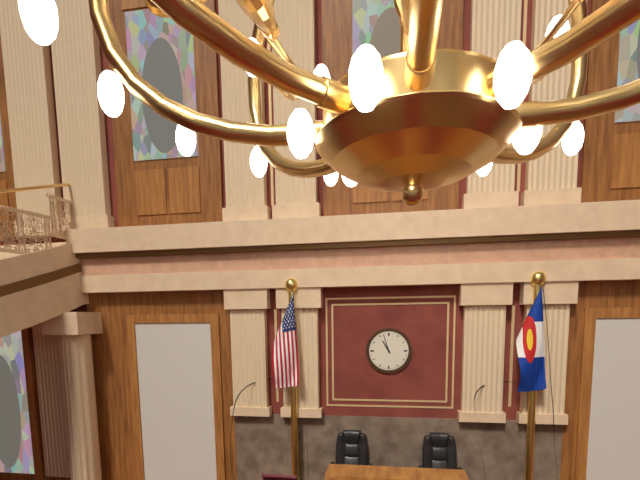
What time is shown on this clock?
10:57
